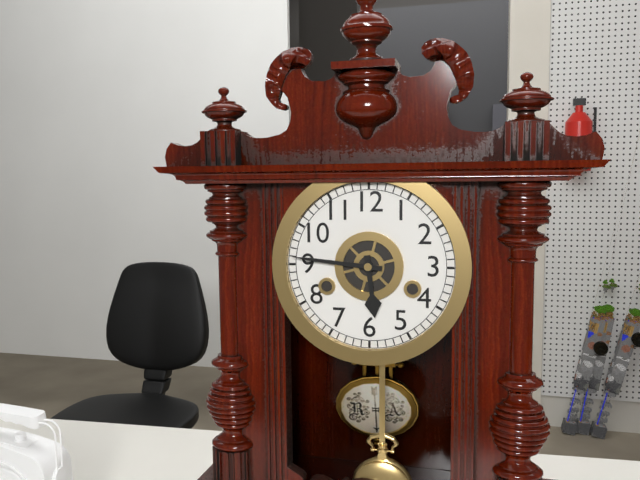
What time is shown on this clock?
5:46
